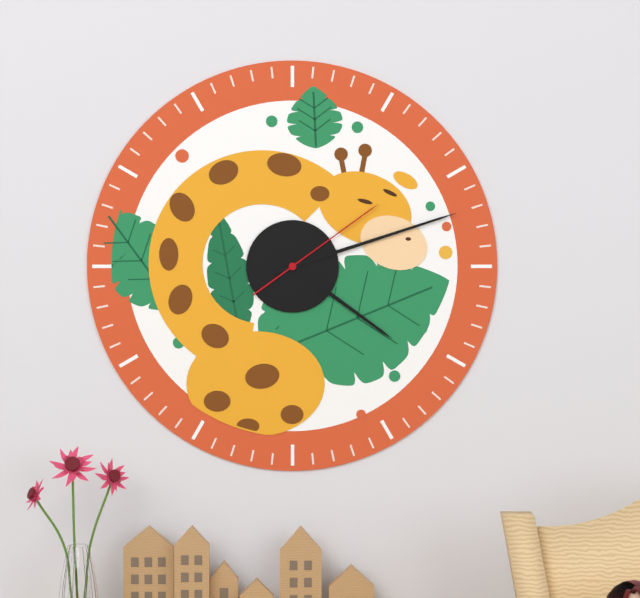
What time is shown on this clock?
4:12:09
